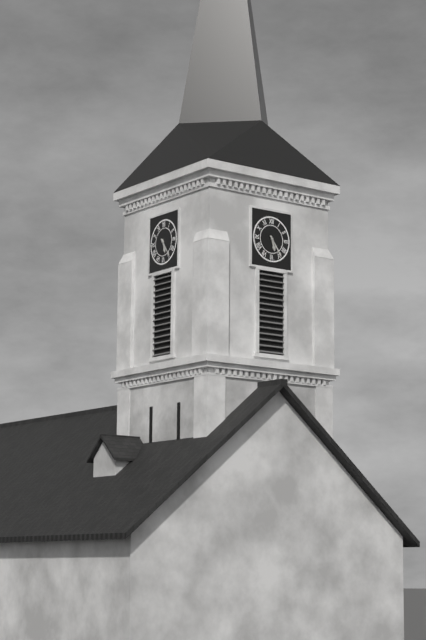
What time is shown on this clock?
5:24
